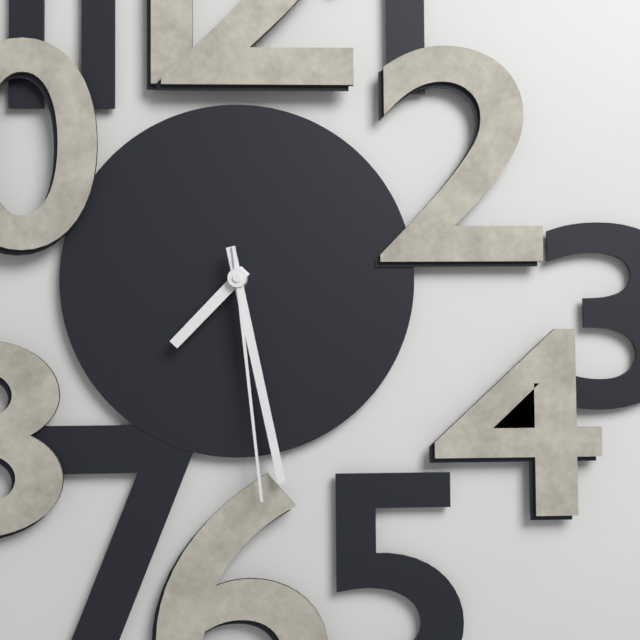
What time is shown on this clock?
7:28:29
